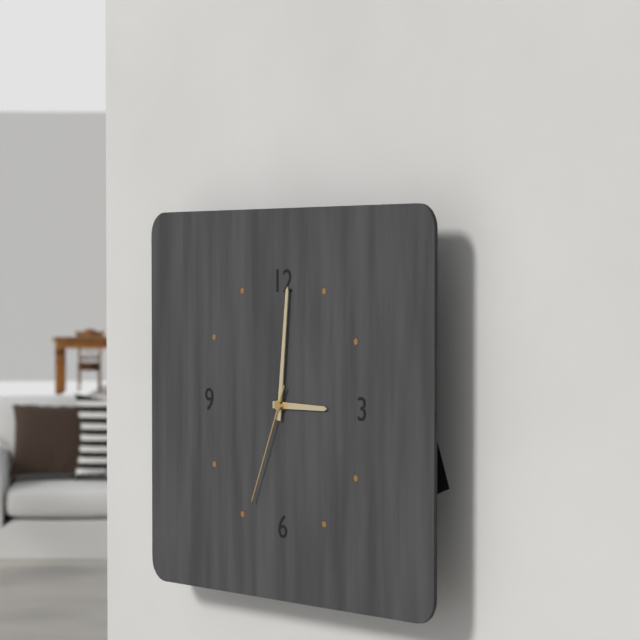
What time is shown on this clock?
3:01:34
